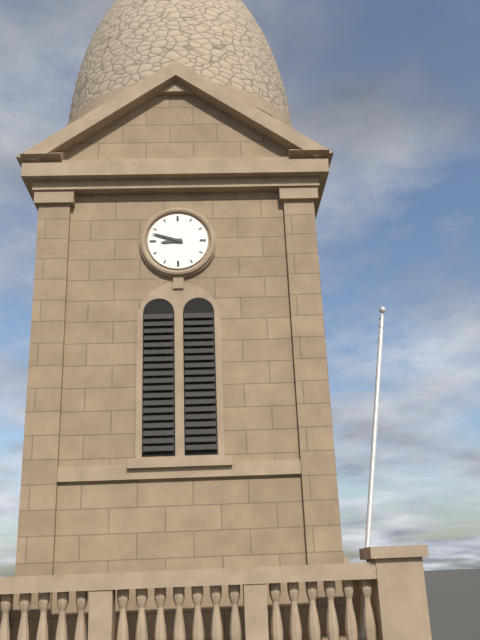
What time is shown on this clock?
8:48
